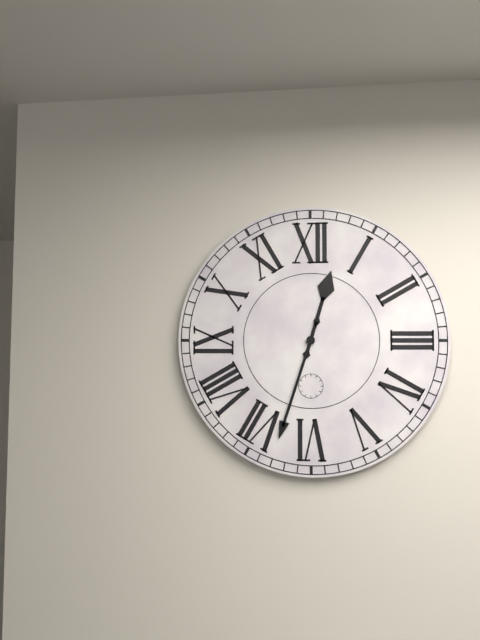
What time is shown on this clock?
12:33
